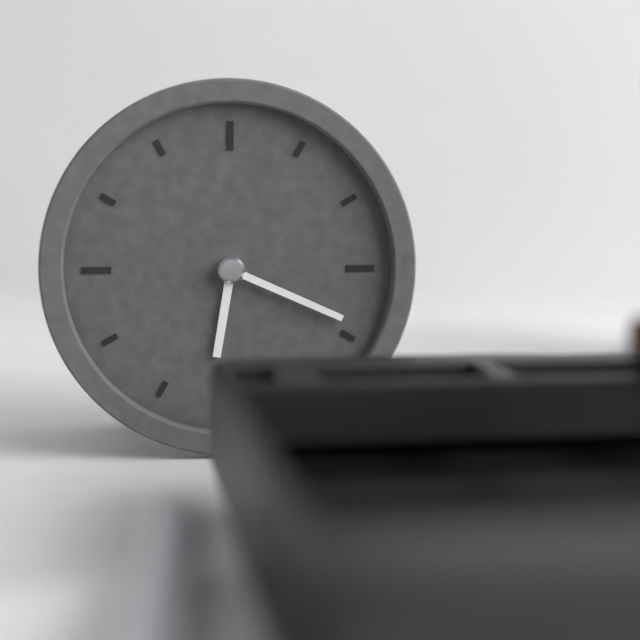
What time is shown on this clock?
6:19
